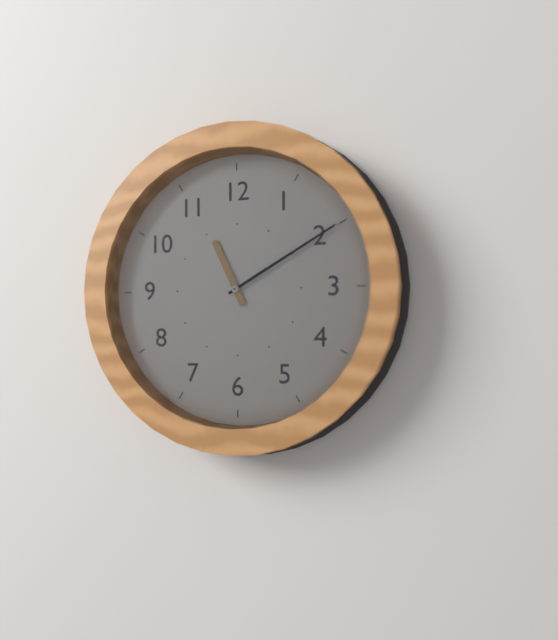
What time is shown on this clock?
11:10
